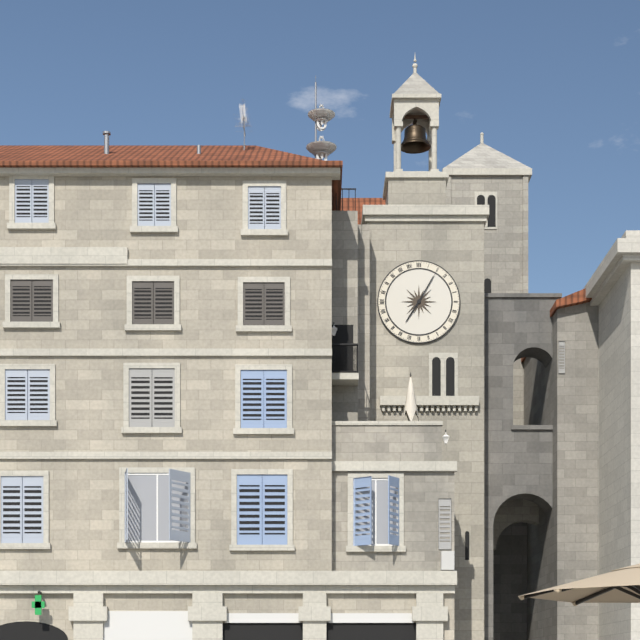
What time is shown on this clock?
7:05
